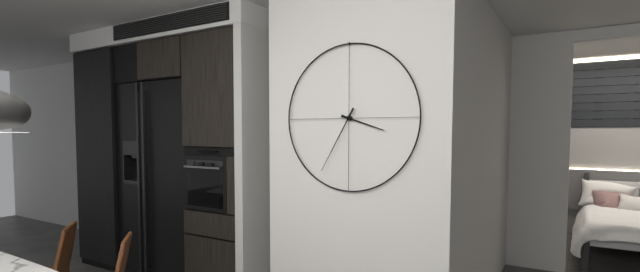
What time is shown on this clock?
3:35
